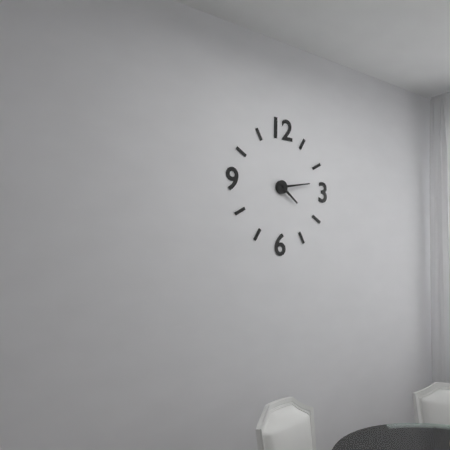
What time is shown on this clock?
4:13
